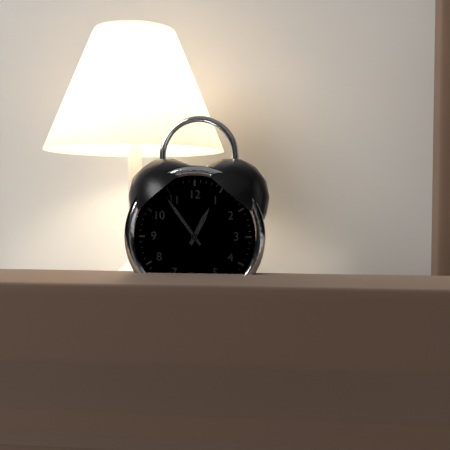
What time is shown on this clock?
12:54
